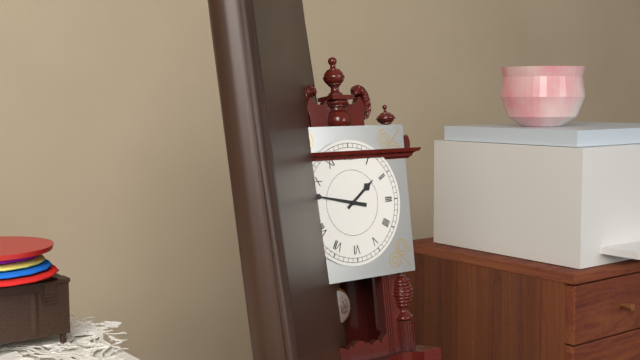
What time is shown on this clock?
1:47
